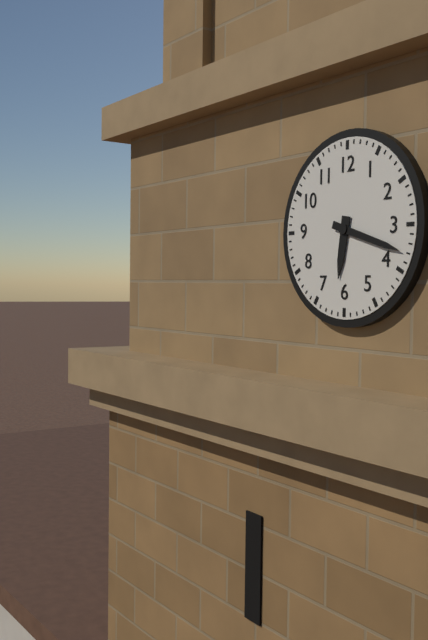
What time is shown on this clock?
6:18
